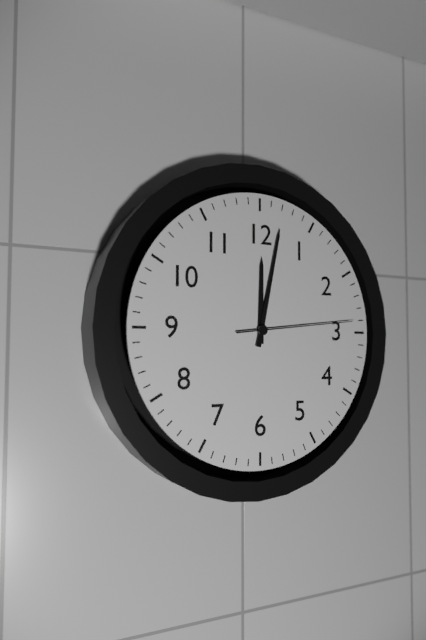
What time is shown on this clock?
12:02:14
